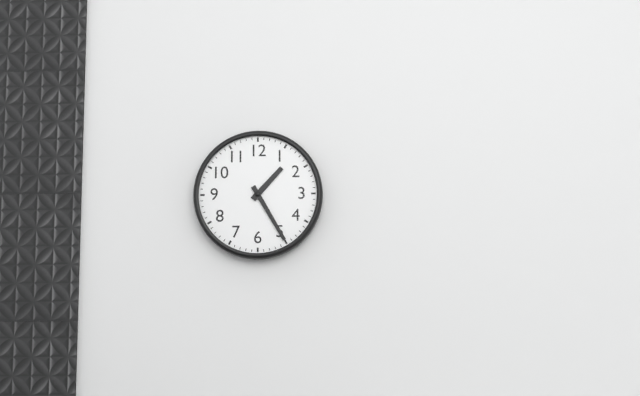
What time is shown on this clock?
1:25
